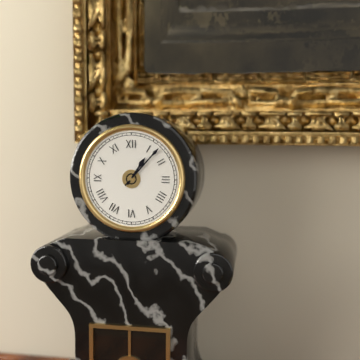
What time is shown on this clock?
1:07
